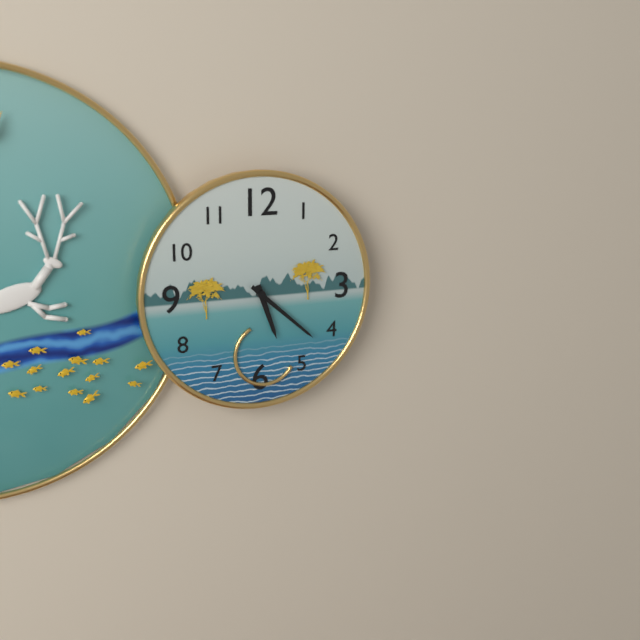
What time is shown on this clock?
5:22
